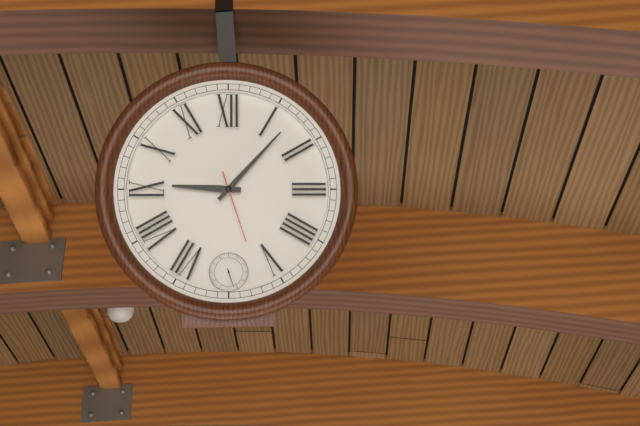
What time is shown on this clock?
9:07:27
